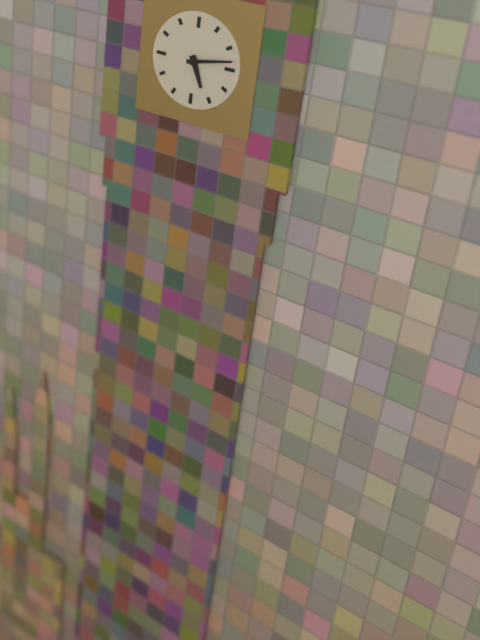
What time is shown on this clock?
5:13
